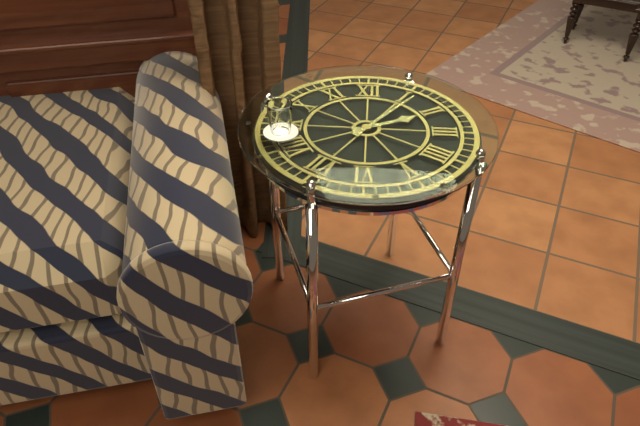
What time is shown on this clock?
2:06
